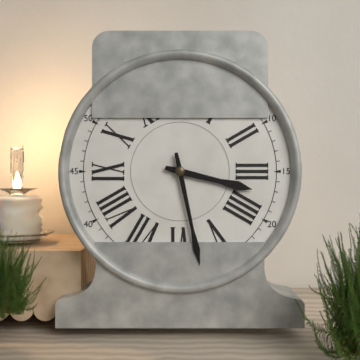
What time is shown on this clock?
3:28
